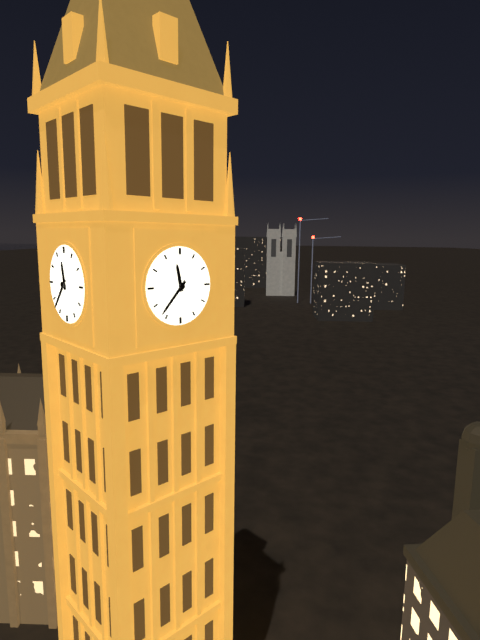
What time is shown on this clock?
11:37
